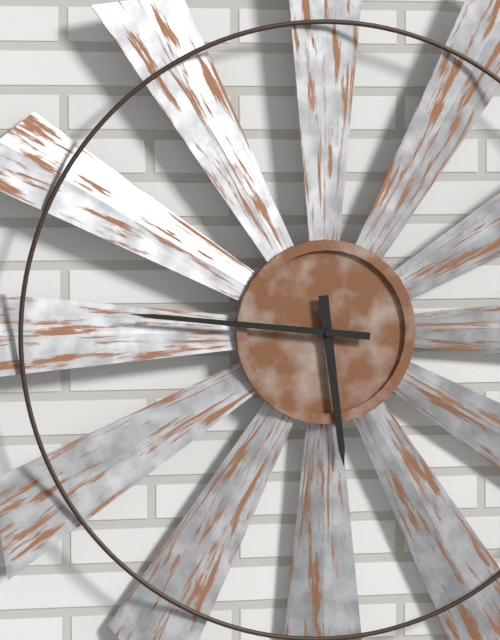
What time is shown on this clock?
5:46
